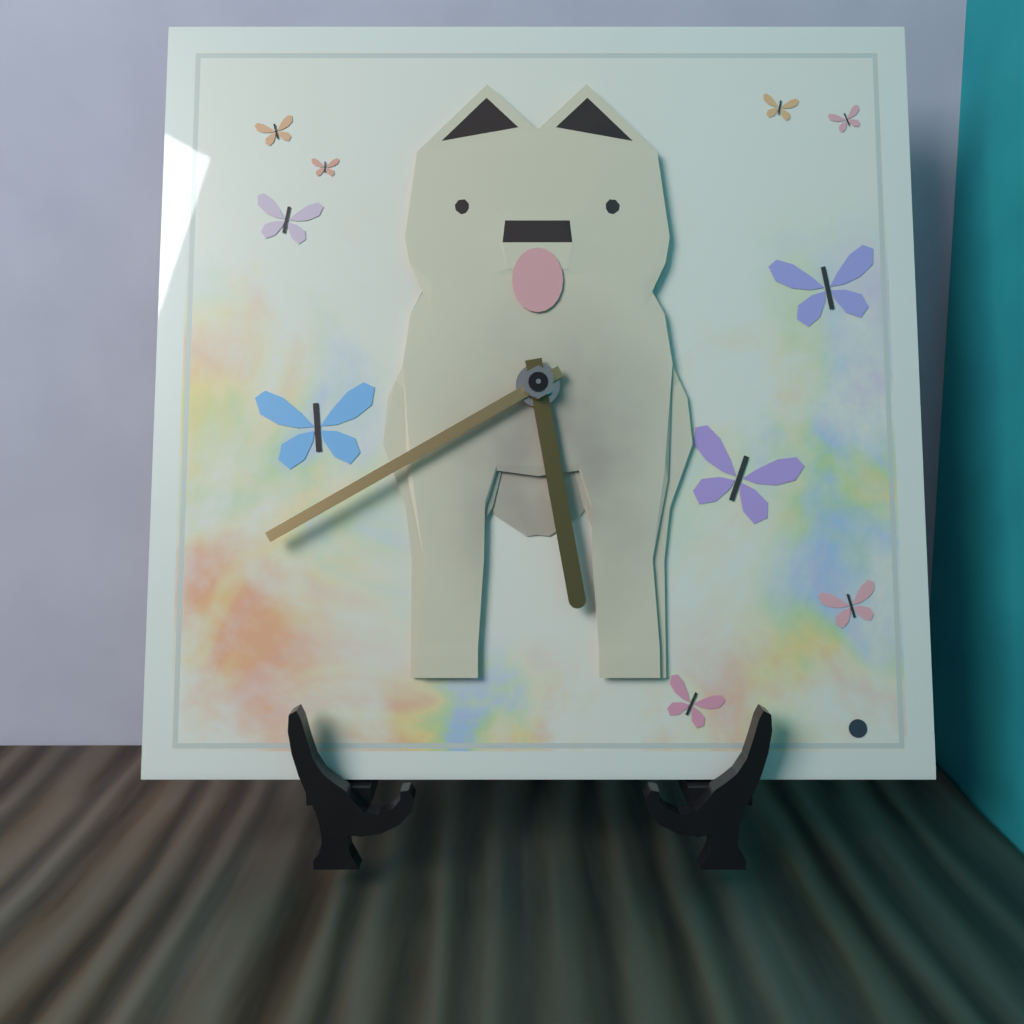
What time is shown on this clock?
5:40
